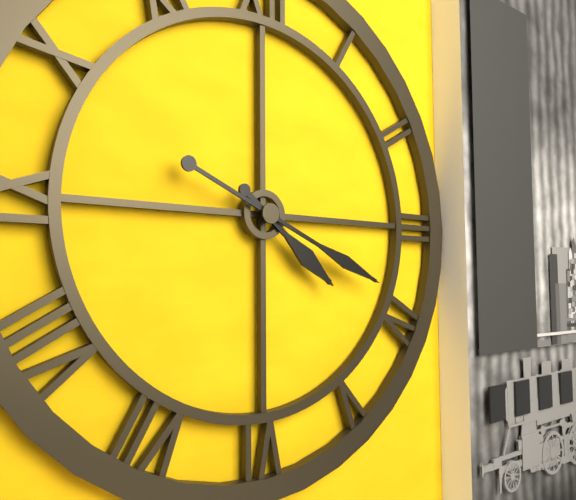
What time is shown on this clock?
4:19
